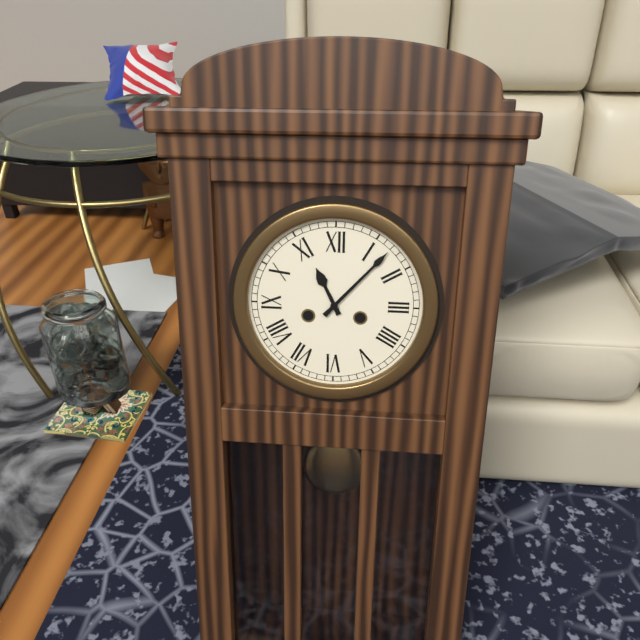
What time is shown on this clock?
11:07
